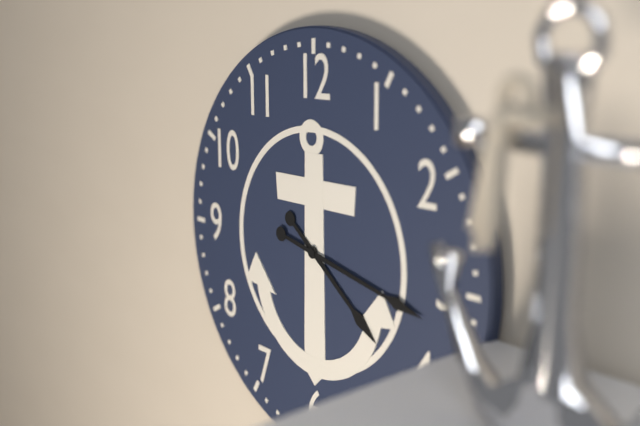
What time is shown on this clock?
4:17
